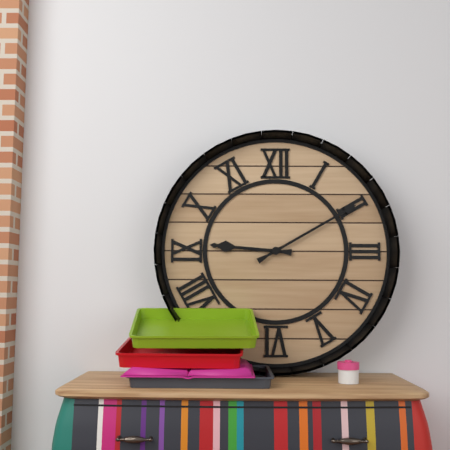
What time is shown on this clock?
9:10
